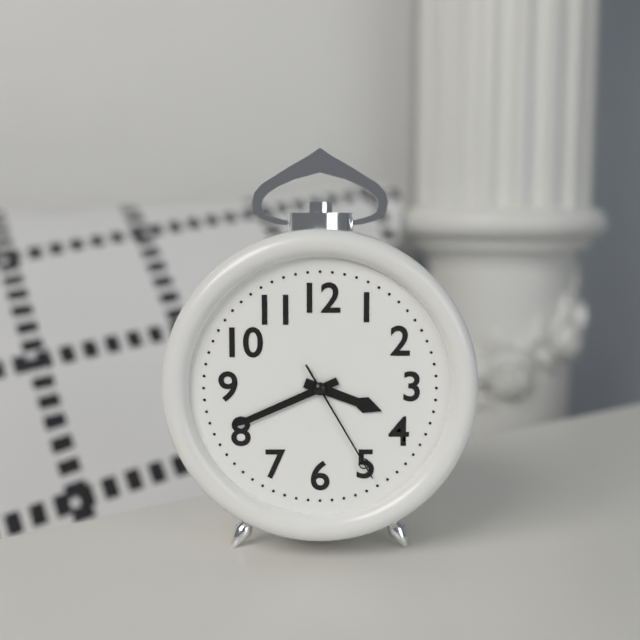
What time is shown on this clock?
3:41:25
